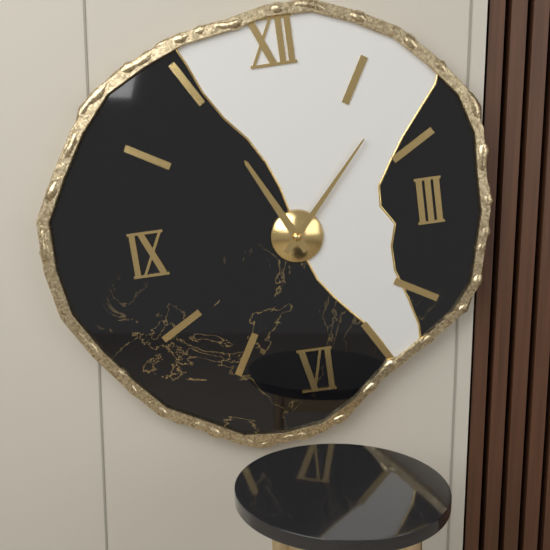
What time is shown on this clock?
11:07
